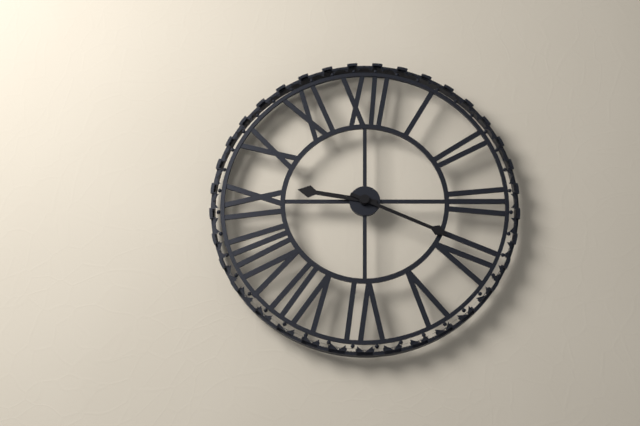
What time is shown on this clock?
9:19
